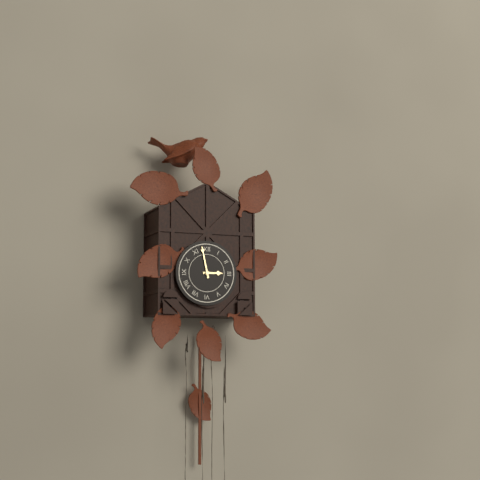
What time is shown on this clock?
2:58
